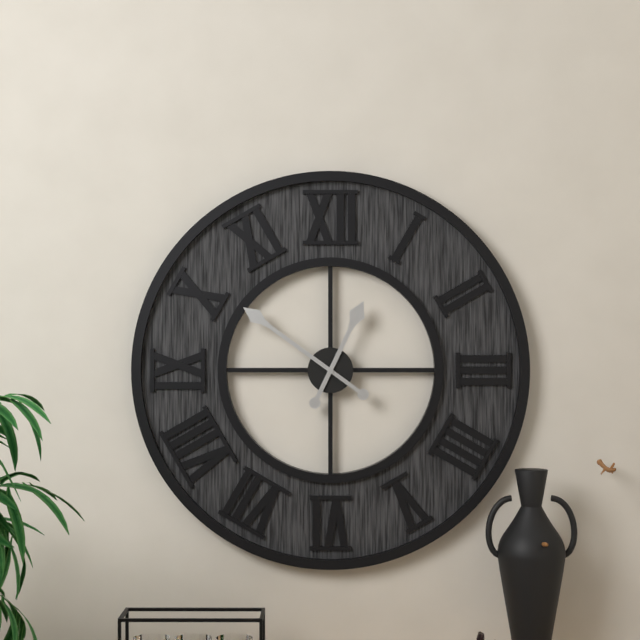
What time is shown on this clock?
12:51
